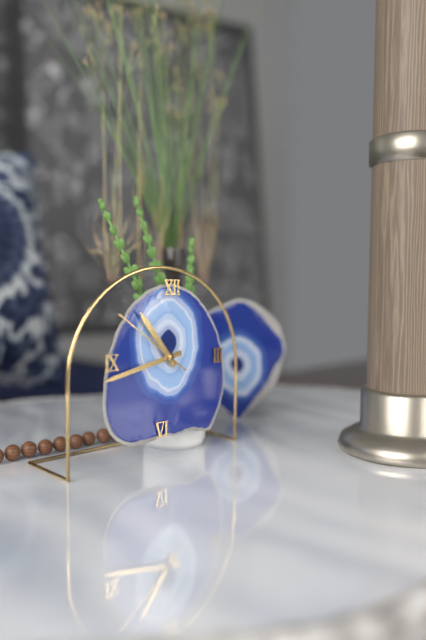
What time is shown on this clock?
10:43:51
